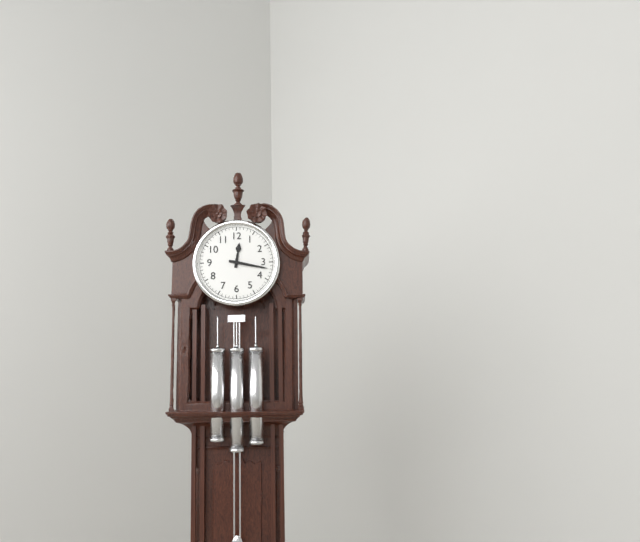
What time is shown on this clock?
12:17
